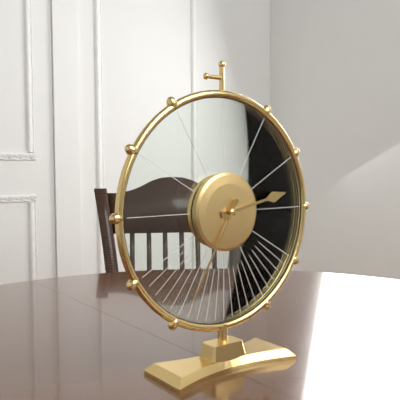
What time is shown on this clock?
2:35
